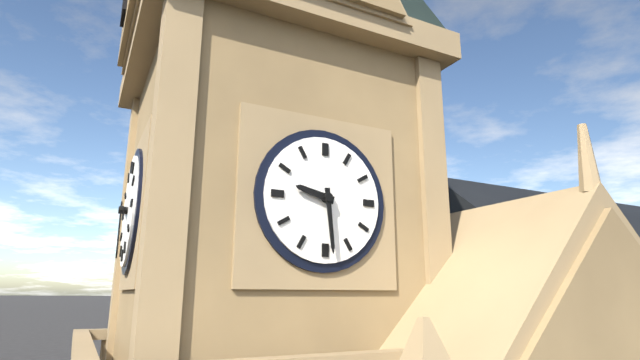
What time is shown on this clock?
9:29
